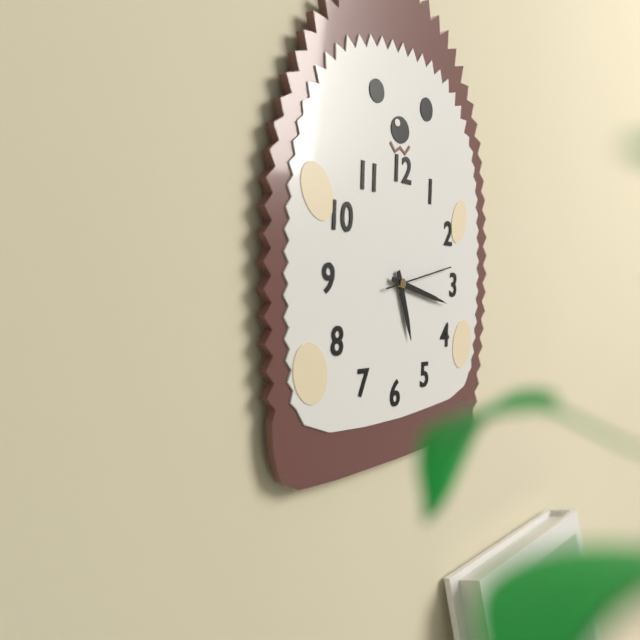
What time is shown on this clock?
5:17:13
